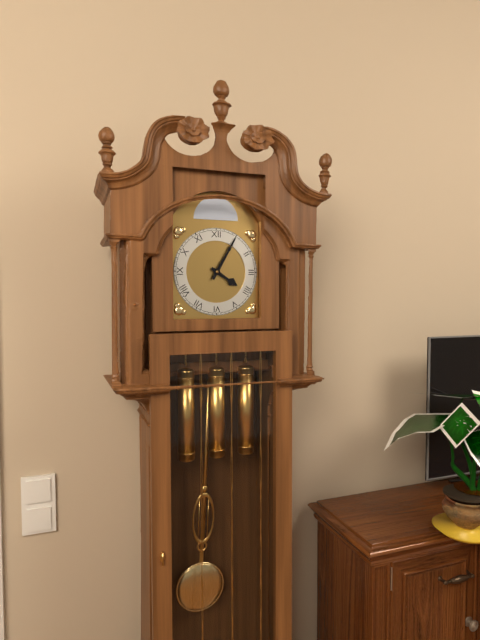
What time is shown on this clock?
4:05
